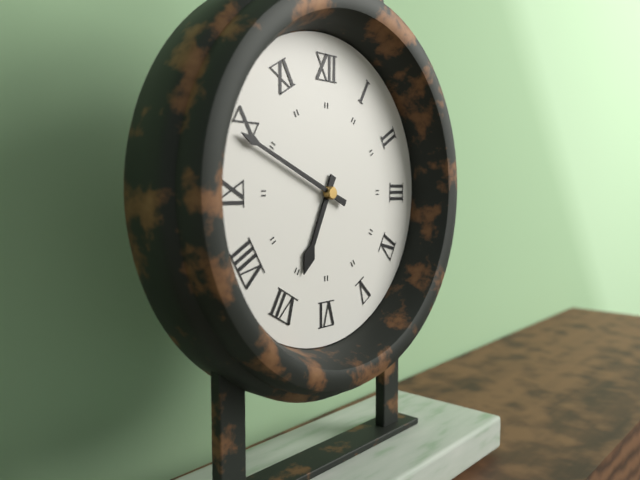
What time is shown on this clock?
6:49
